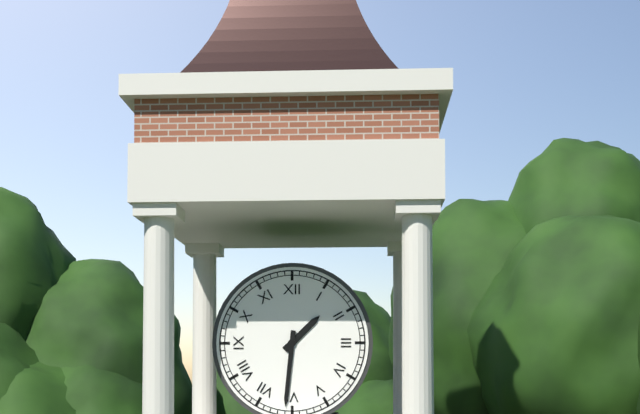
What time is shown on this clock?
1:31
